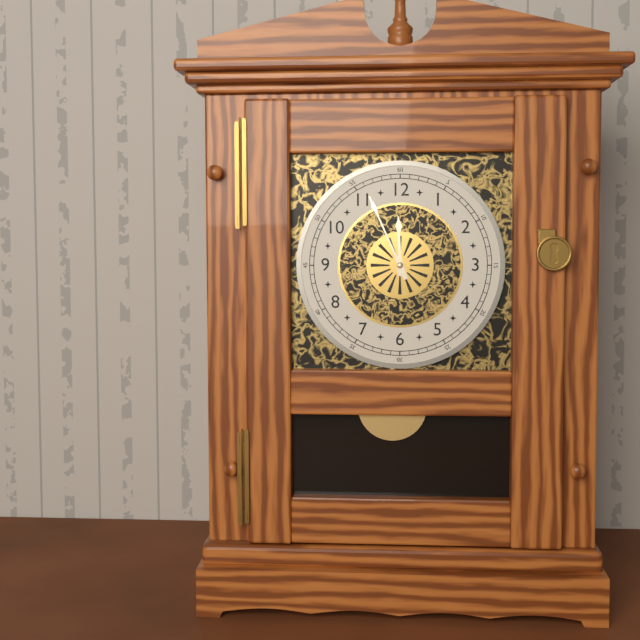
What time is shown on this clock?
11:56
